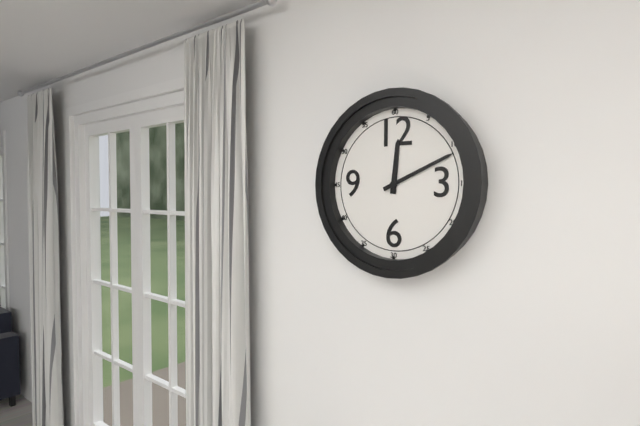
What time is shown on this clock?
12:11
